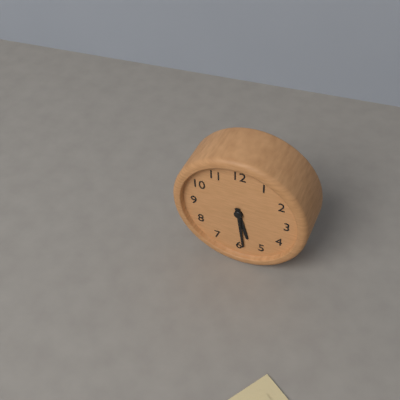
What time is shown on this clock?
5:29
